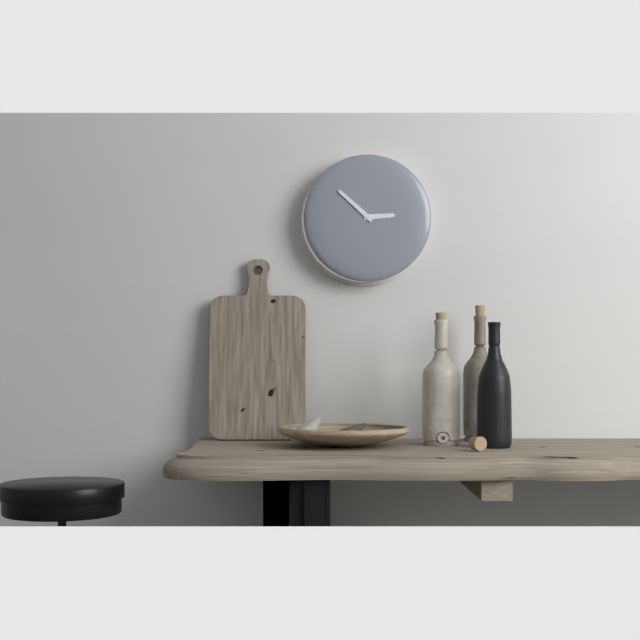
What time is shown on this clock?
2:52
